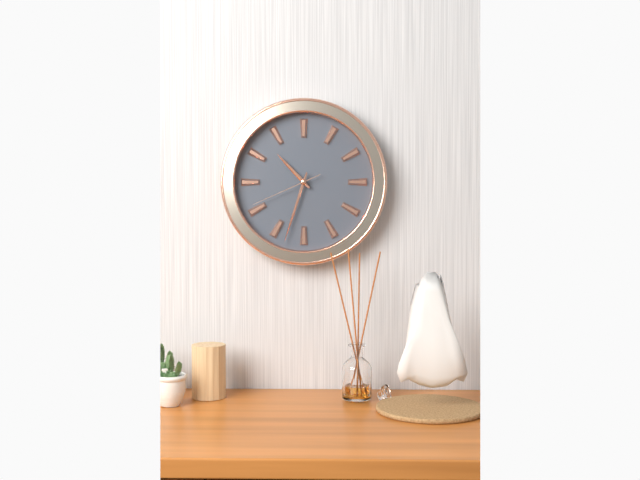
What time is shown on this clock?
10:33:41
